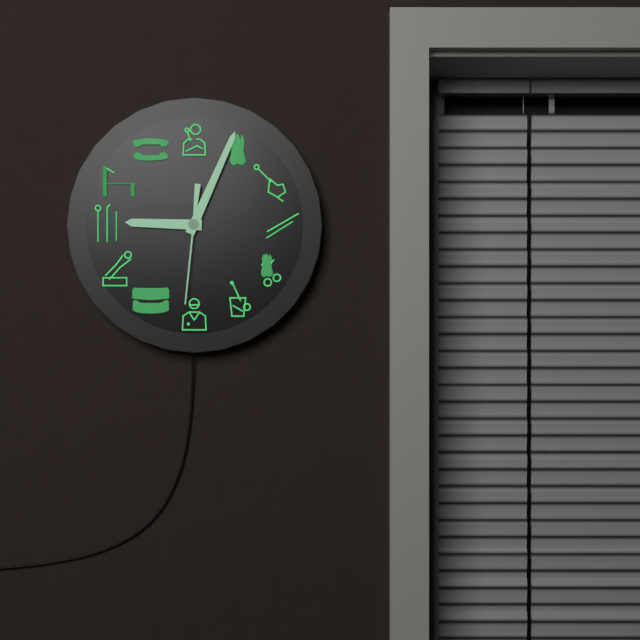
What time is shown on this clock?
9:04:31
